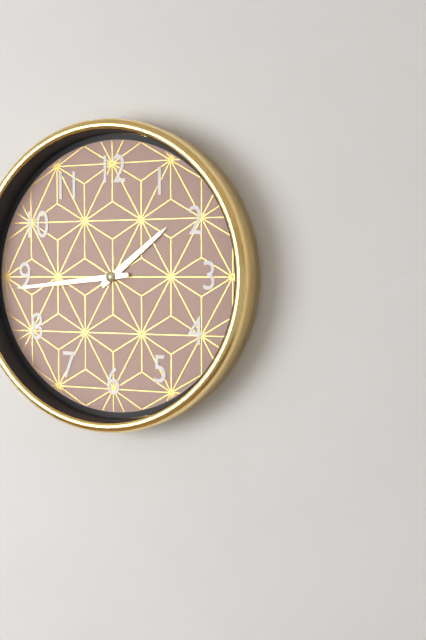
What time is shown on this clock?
1:44
